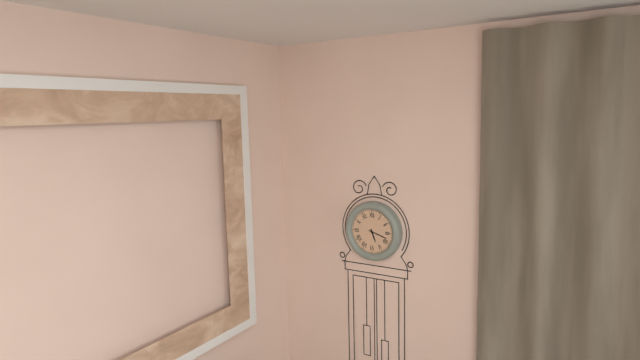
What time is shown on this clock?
5:18
